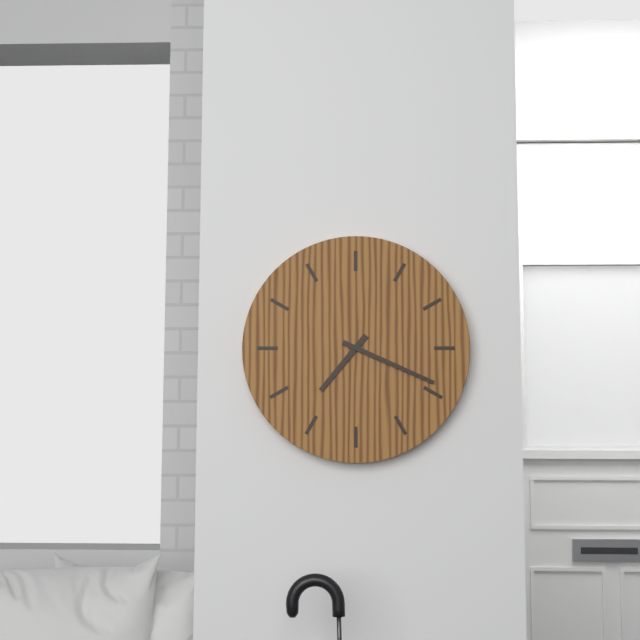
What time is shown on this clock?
7:19
